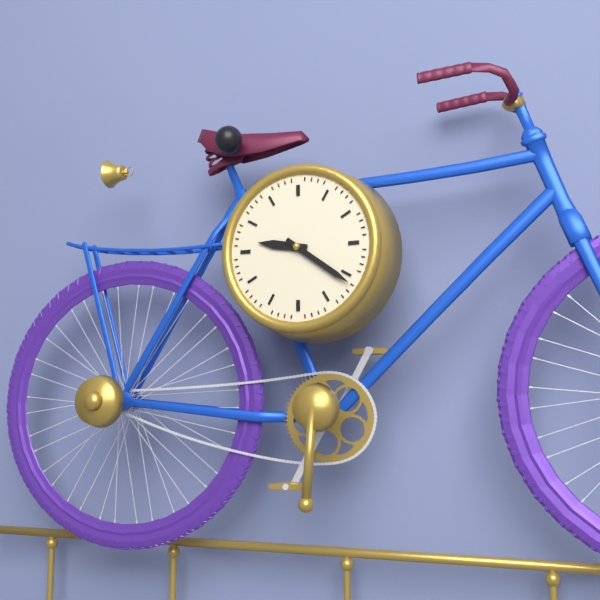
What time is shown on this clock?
9:21
